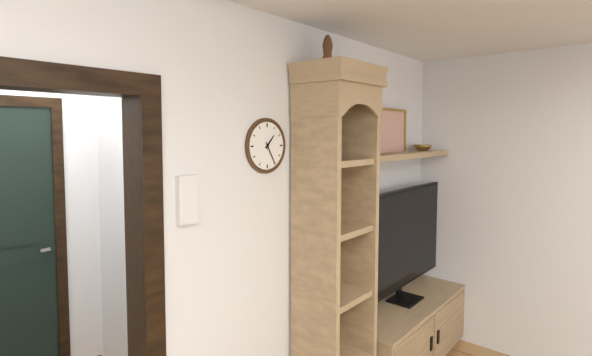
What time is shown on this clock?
1:25
